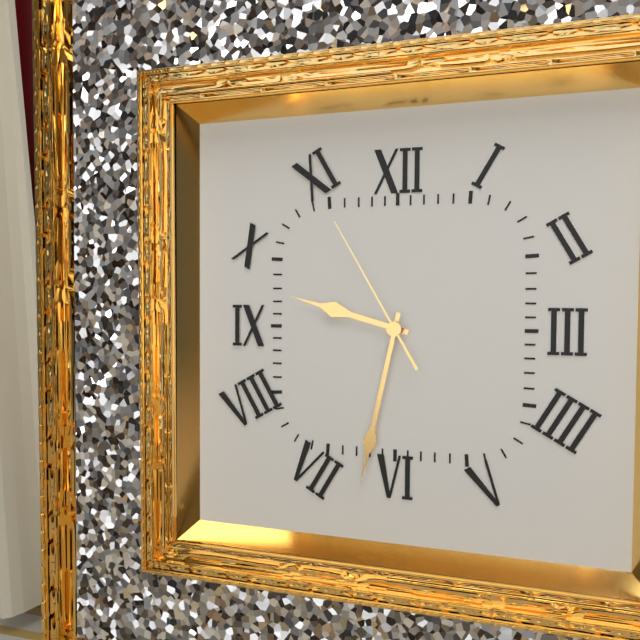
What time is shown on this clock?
9:32:55
